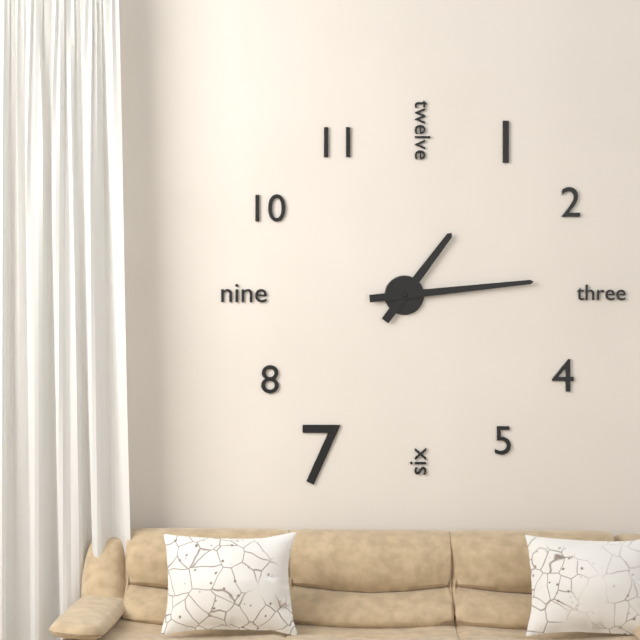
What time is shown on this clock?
1:14
